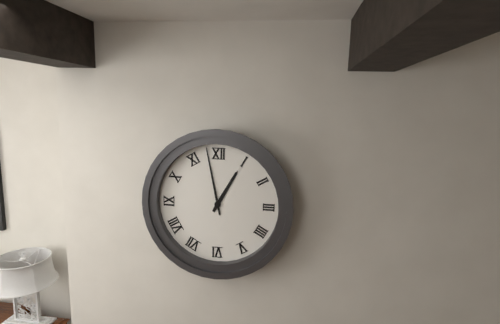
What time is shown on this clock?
12:58
